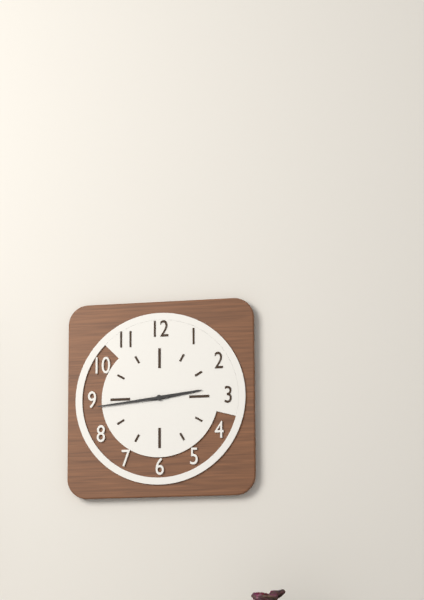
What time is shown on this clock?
2:44
